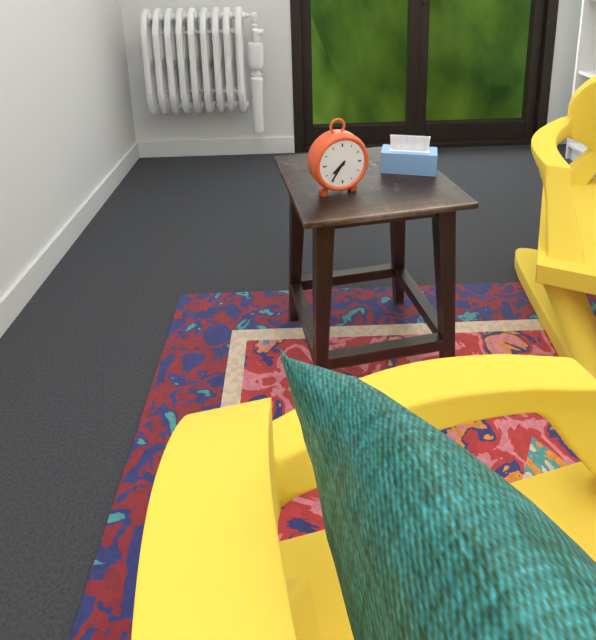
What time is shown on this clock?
7:36
